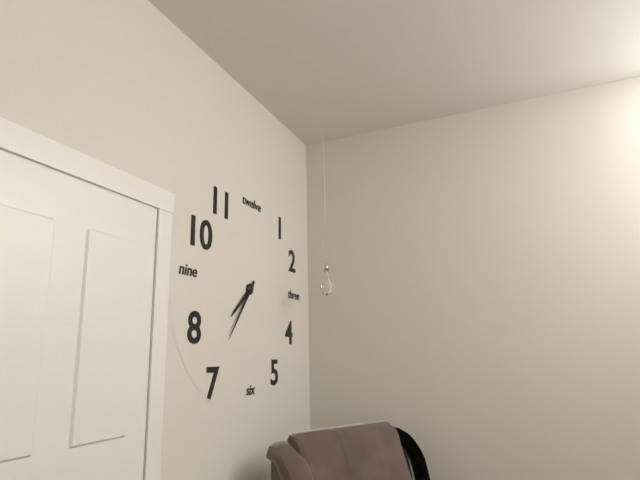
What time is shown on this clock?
7:36
